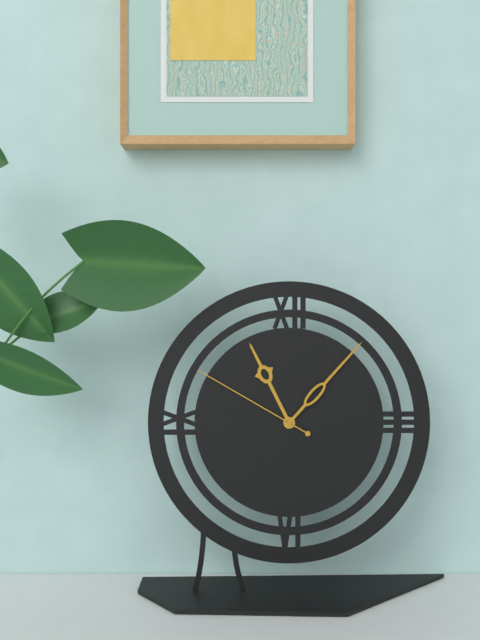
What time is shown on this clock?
11:07:50
